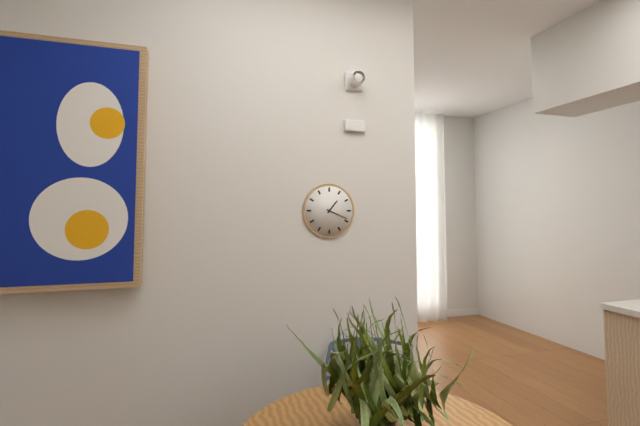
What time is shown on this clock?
1:19
